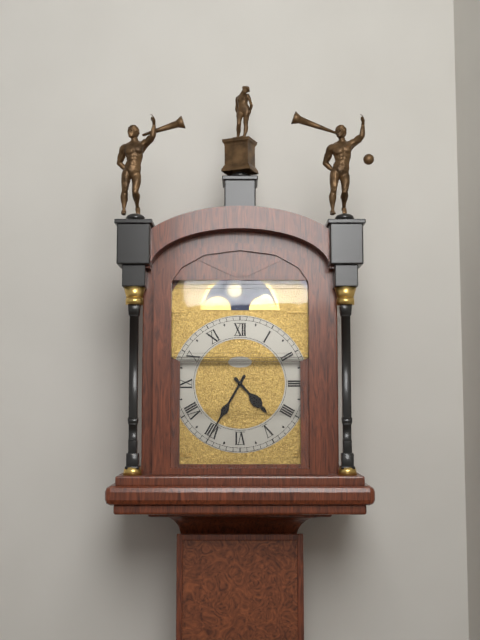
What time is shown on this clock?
4:35
